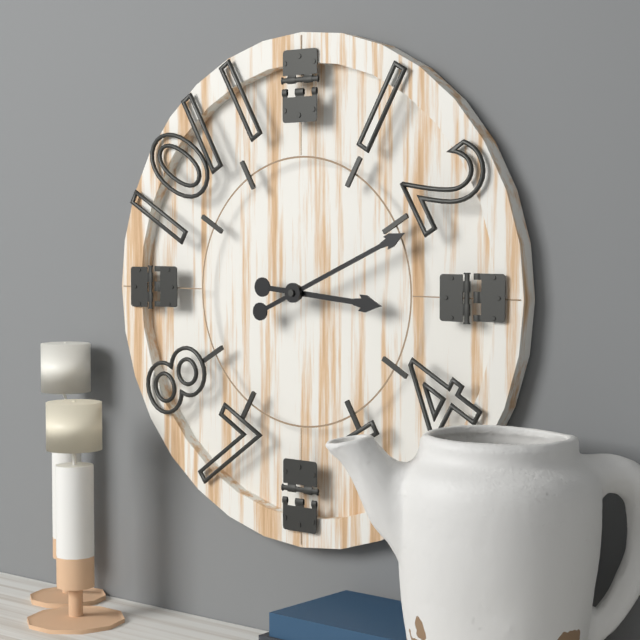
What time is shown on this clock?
3:11
